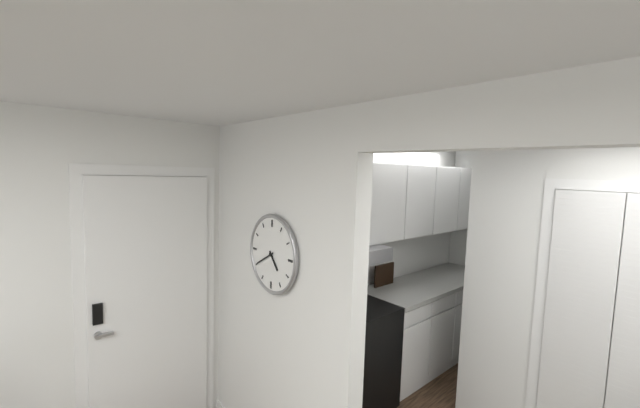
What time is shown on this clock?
4:40
